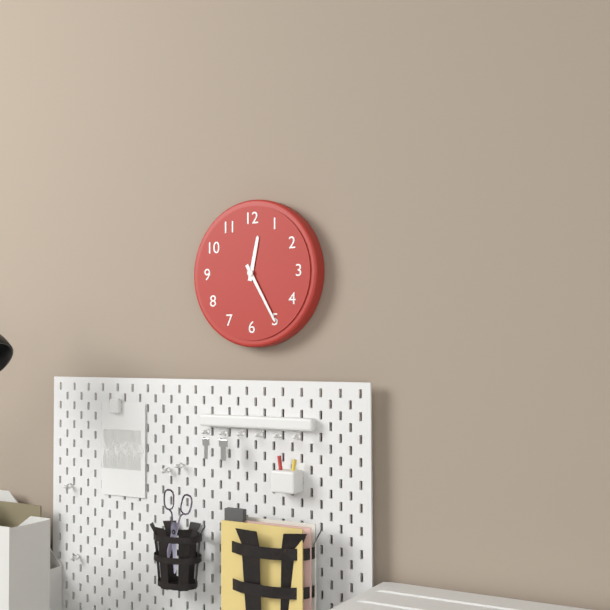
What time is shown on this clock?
12:25
